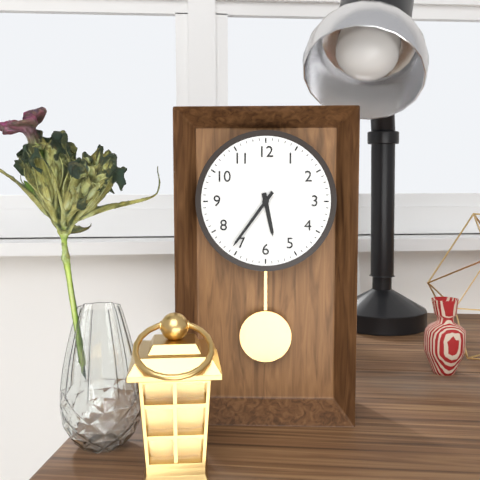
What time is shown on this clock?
5:36
